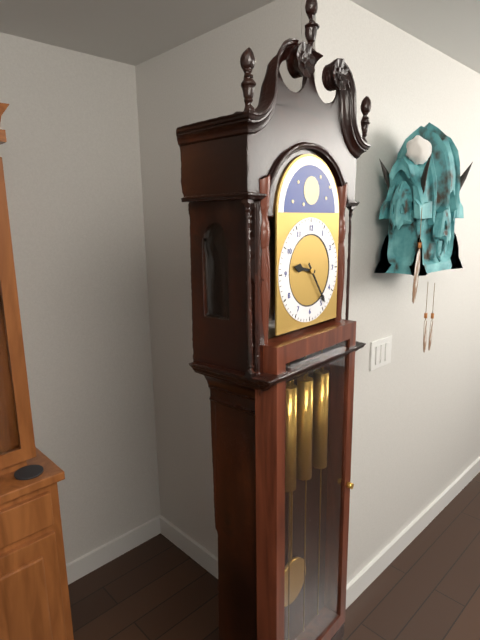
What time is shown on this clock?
9:24
